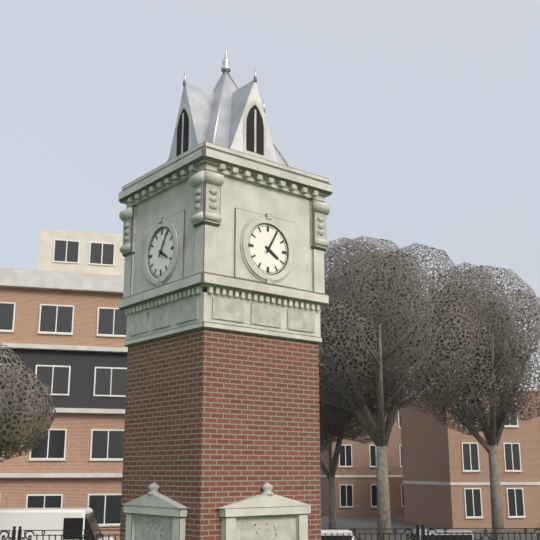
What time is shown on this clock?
4:05
